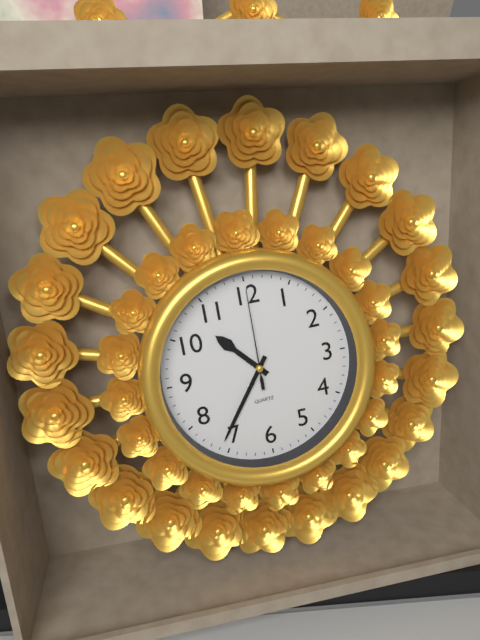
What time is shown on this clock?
10:36:00
